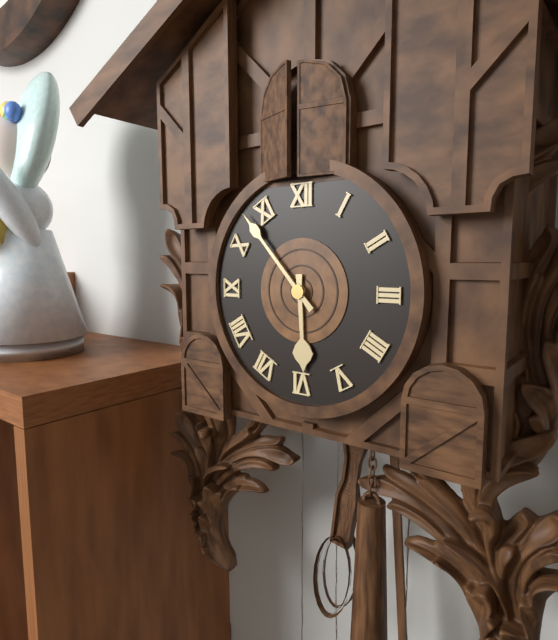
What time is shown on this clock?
5:53
